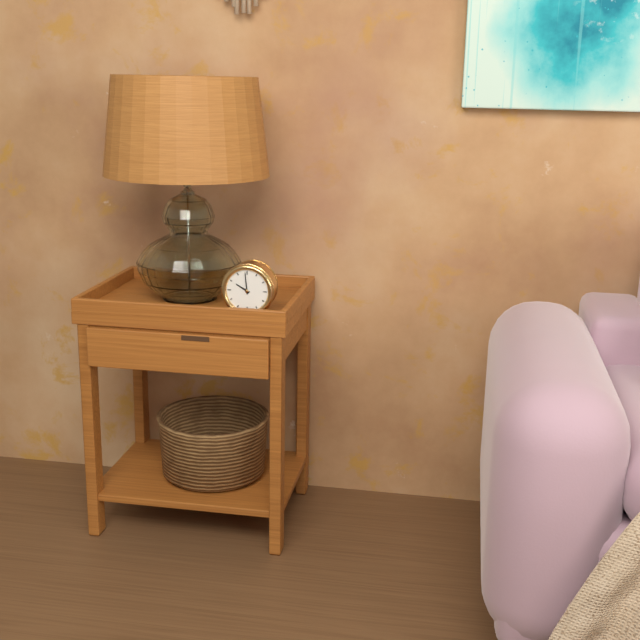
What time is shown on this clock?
9:59
